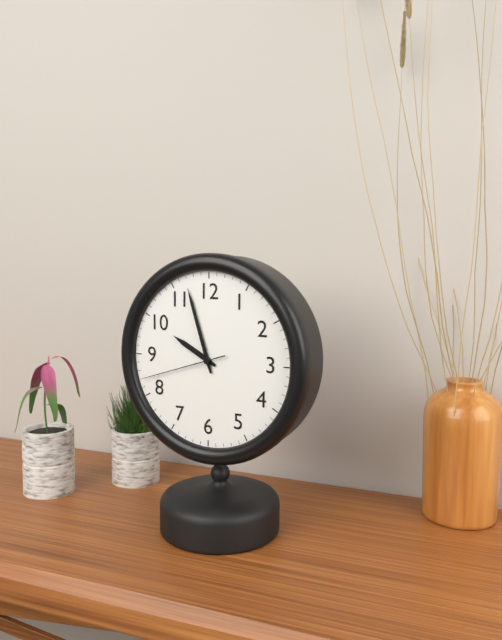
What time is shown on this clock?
9:57:42
